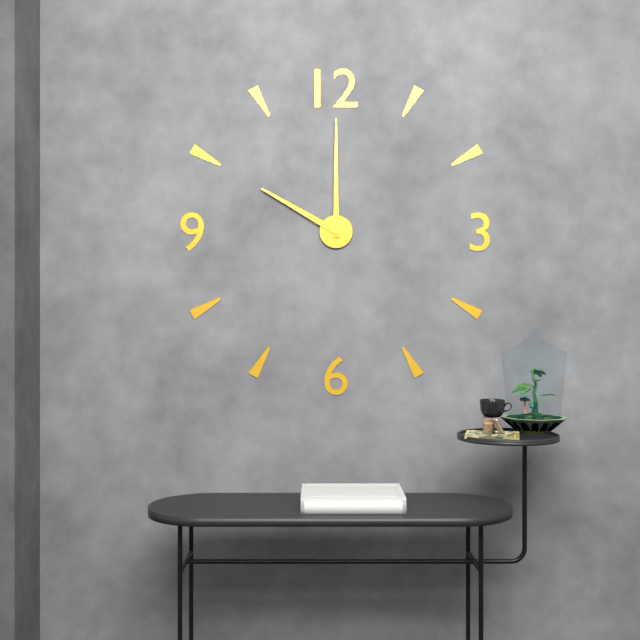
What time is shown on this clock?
10:00
